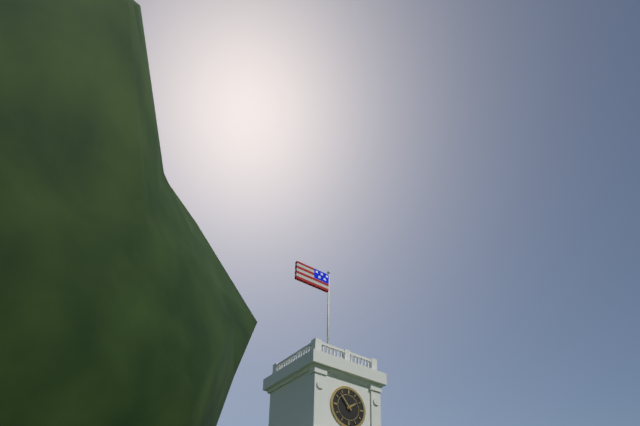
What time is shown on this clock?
1:53
